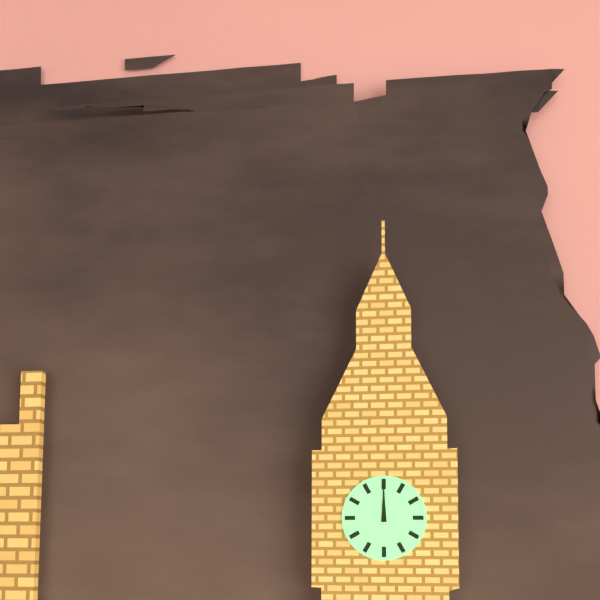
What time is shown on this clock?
12:00
